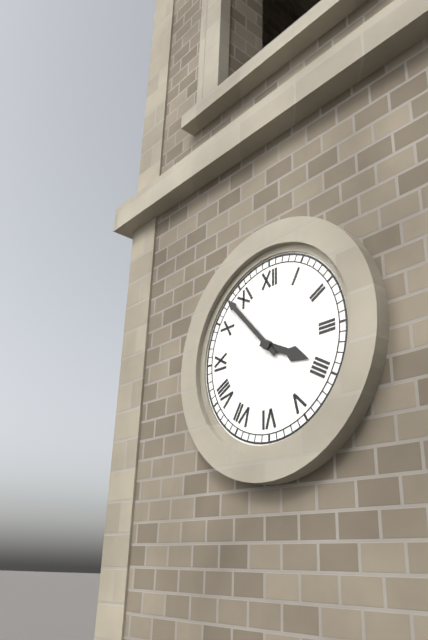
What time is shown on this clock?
3:53
